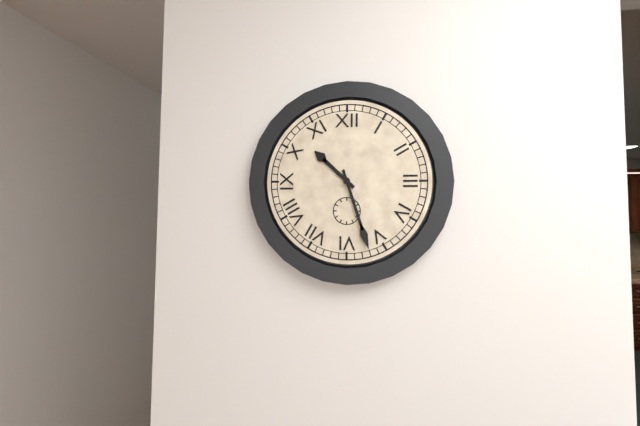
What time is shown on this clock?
10:27
